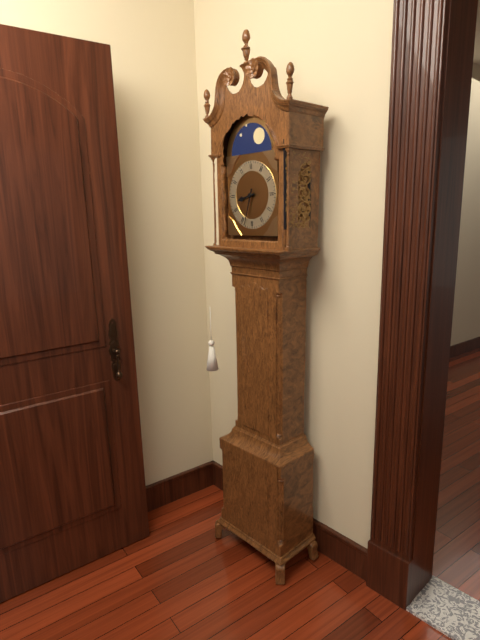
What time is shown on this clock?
8:33
